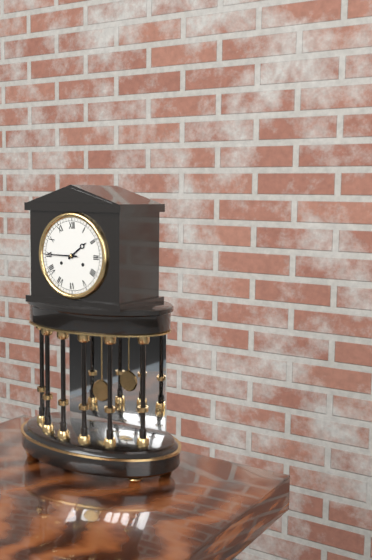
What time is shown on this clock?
1:45
